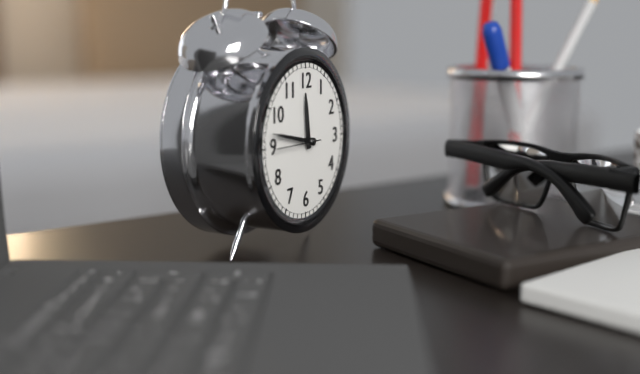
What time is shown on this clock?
11:47
